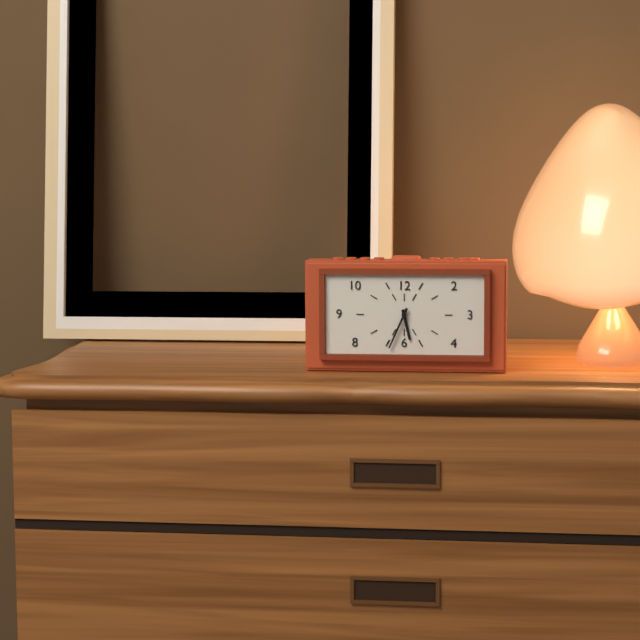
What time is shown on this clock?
5:34
